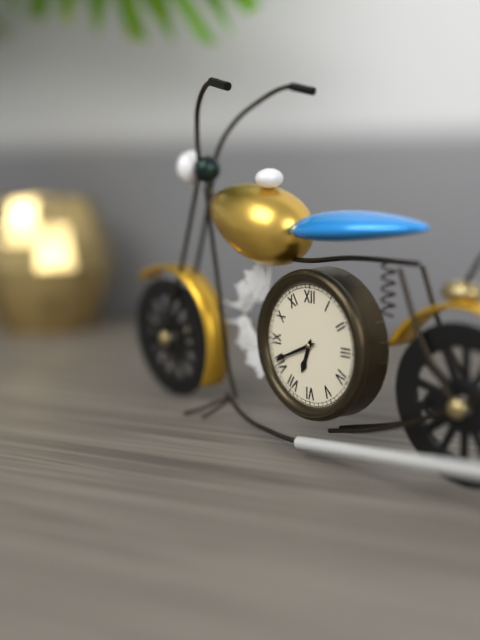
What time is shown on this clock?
6:41
